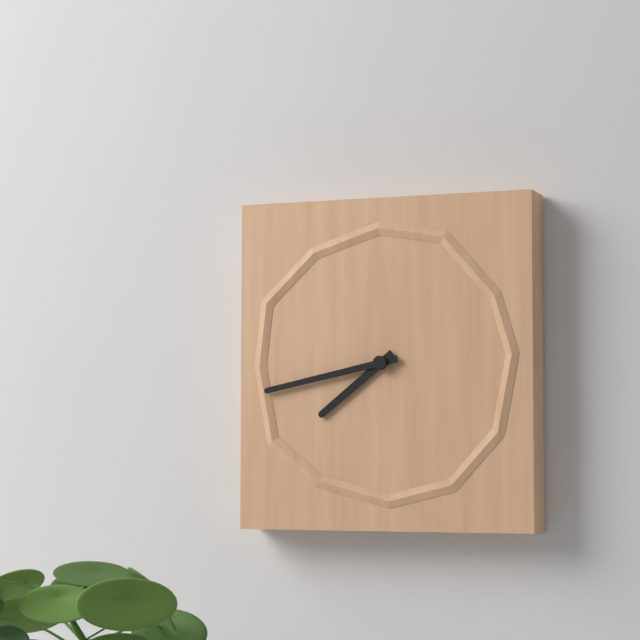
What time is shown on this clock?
7:43
